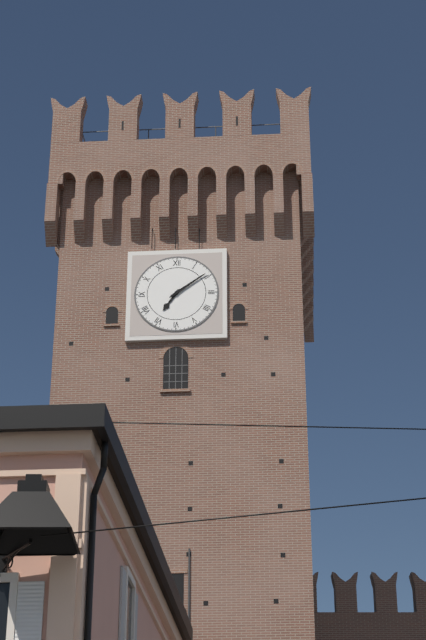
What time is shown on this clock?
7:09
